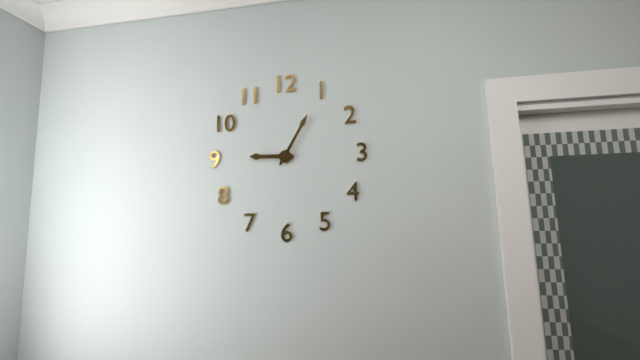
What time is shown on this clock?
9:05
